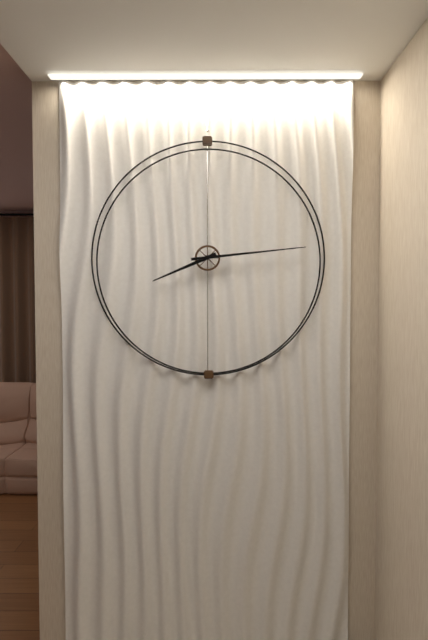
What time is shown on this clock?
8:14
